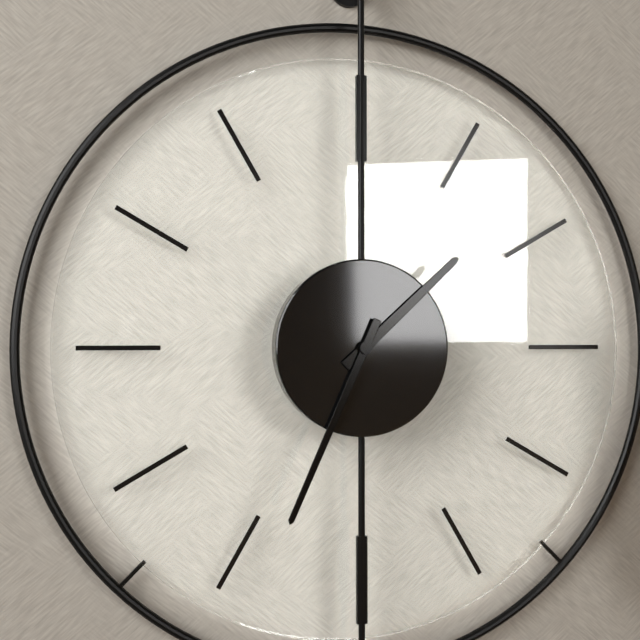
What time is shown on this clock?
1:34
